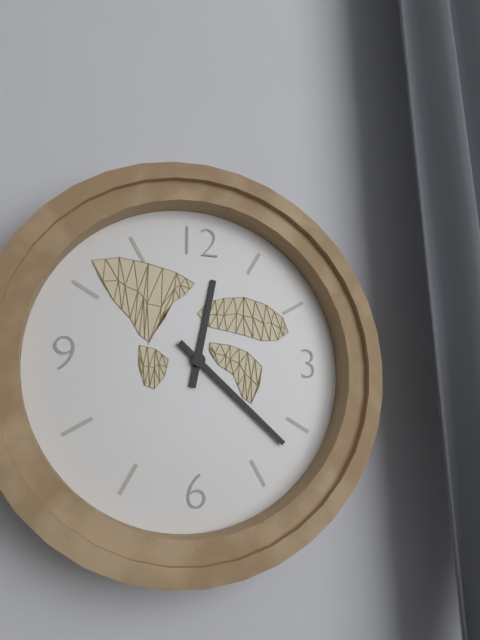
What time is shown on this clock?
12:22
